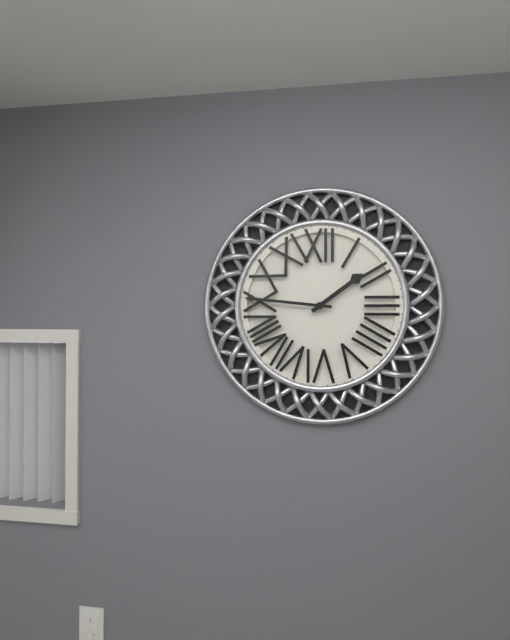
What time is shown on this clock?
1:46
